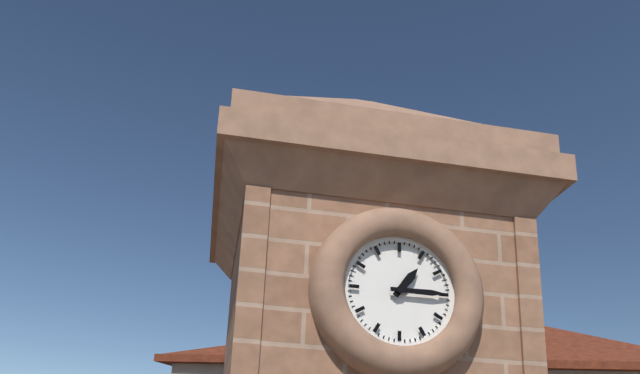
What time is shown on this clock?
1:15
